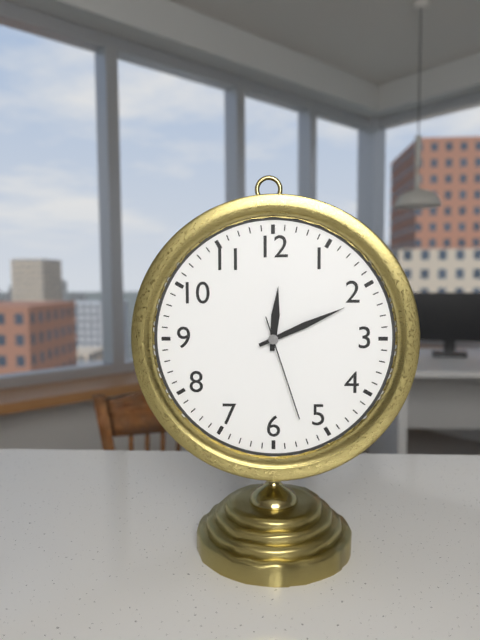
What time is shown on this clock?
12:11:27
